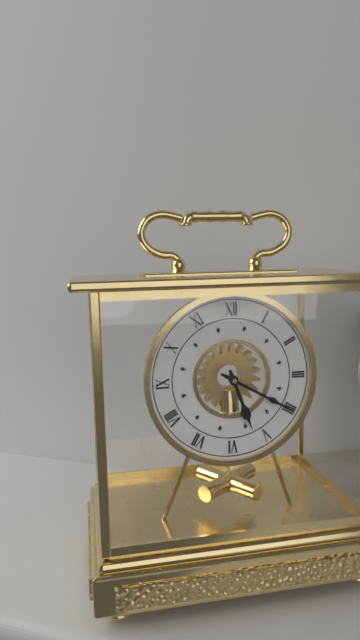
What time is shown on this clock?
5:20
